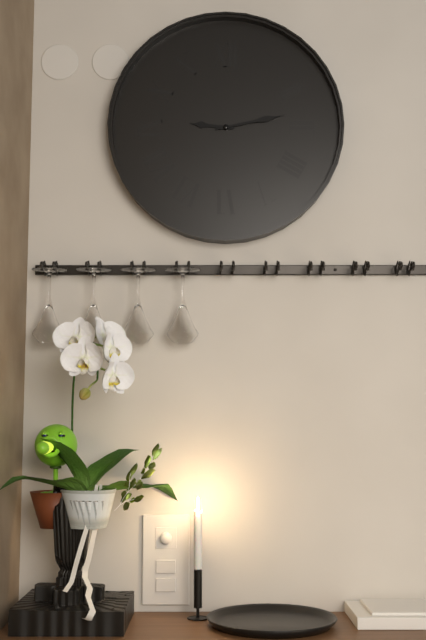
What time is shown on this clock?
9:13
